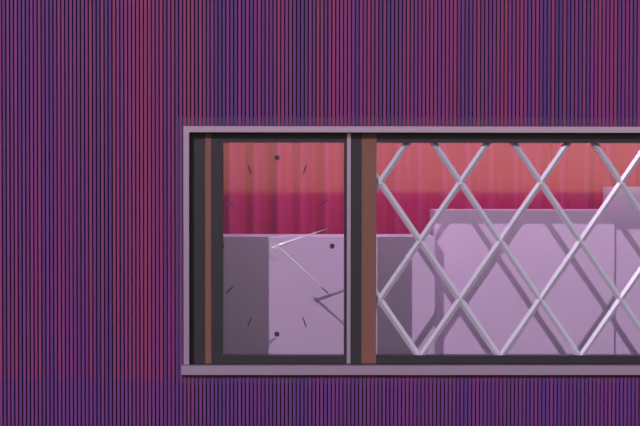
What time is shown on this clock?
2:22
